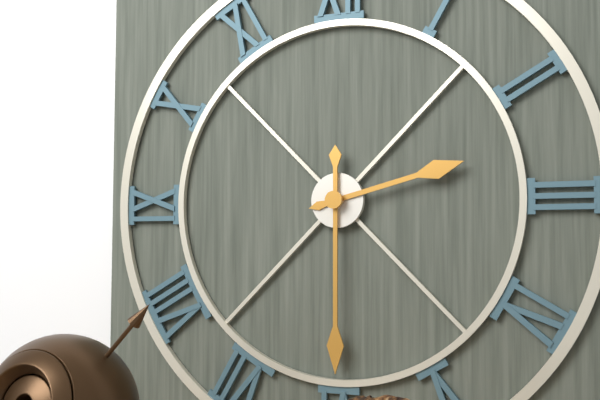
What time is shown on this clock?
2:30
